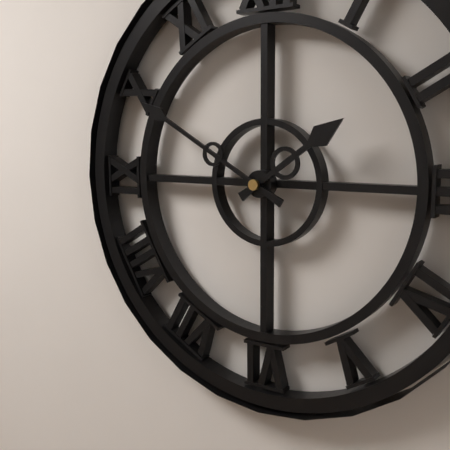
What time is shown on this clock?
1:50
